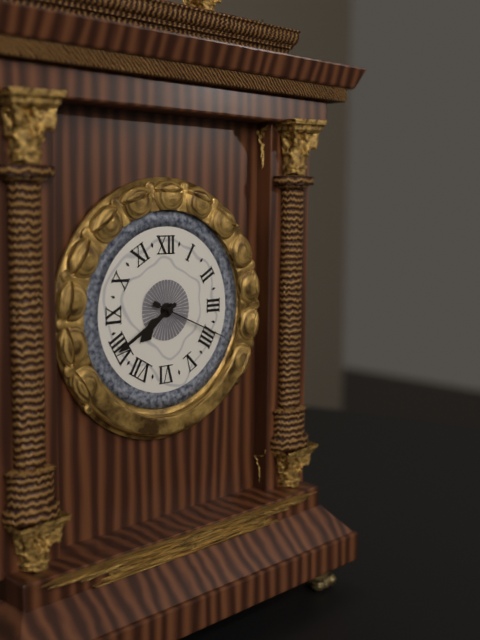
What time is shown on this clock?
7:40:19
